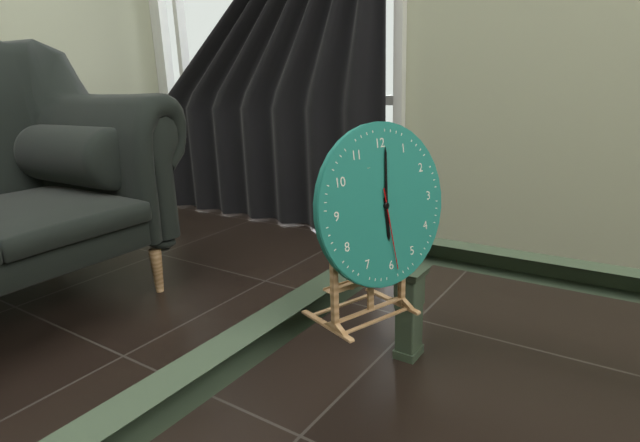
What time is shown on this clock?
6:01:29
